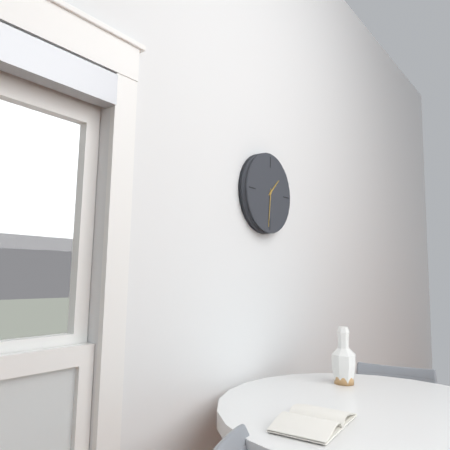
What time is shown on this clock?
1:31
